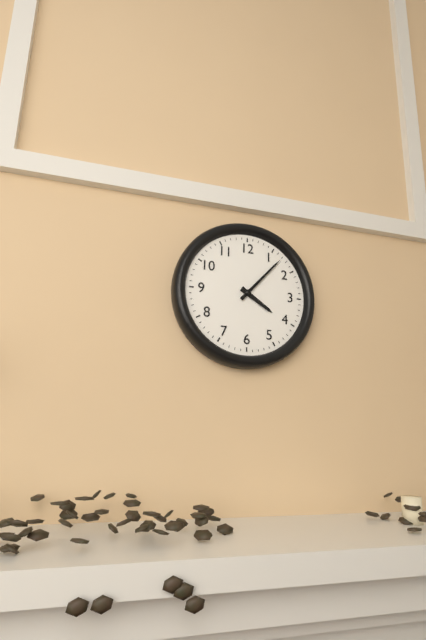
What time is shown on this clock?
4:07
